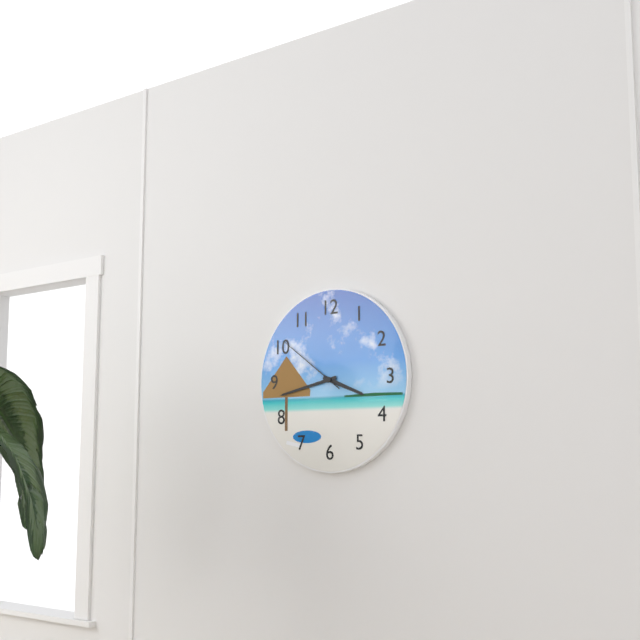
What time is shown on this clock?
3:43:51
